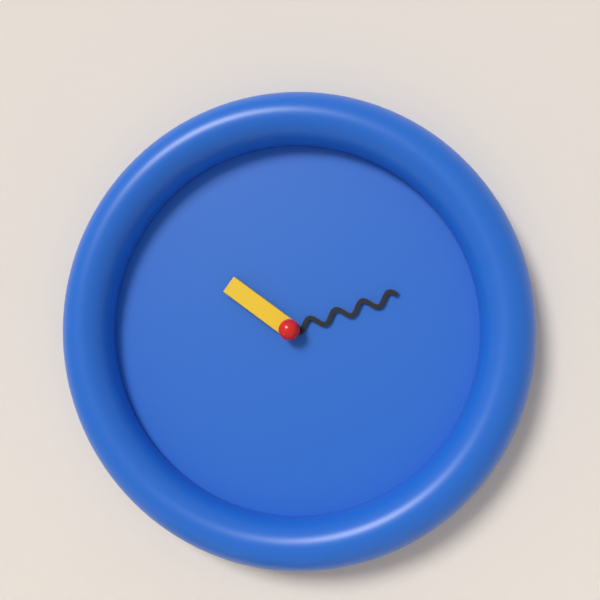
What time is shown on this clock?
10:12
